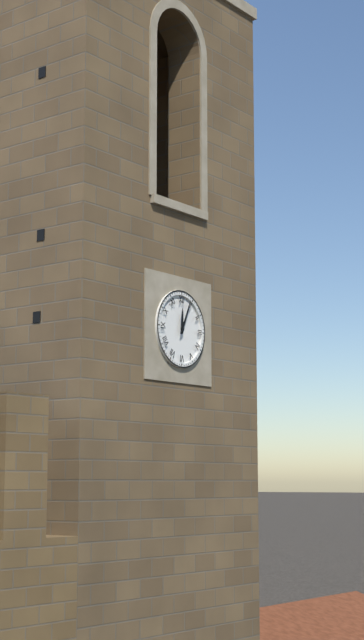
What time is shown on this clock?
12:04
